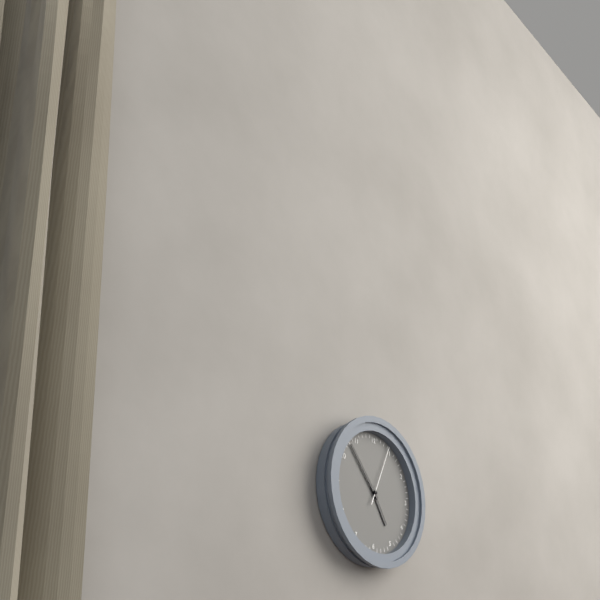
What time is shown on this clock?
4:53:04
